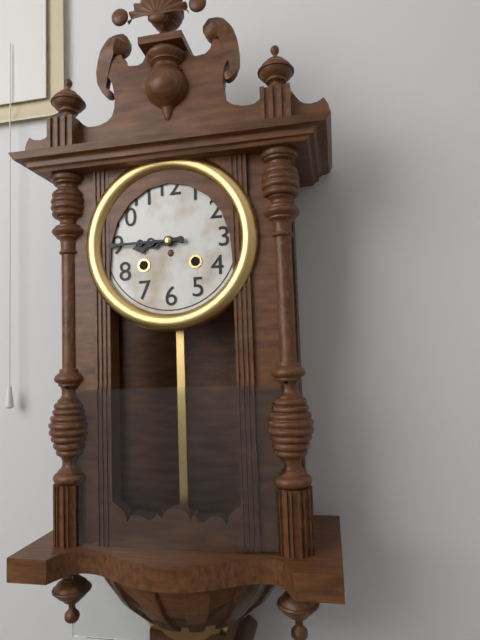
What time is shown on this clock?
8:45
